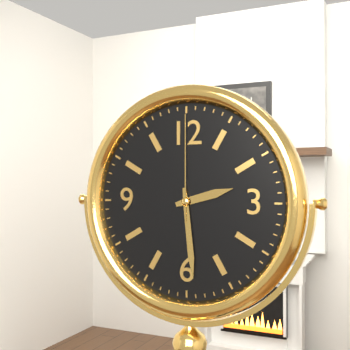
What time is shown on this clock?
2:29:00
